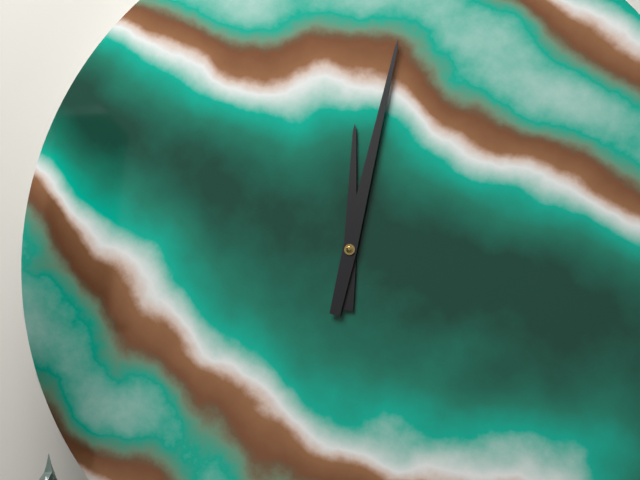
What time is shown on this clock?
12:02
